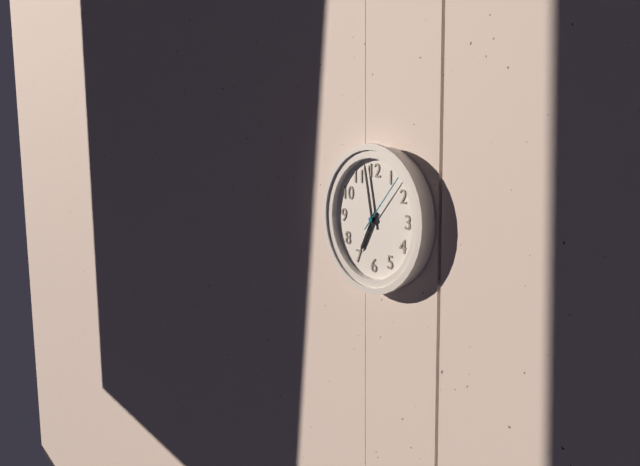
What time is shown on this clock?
6:58:07
